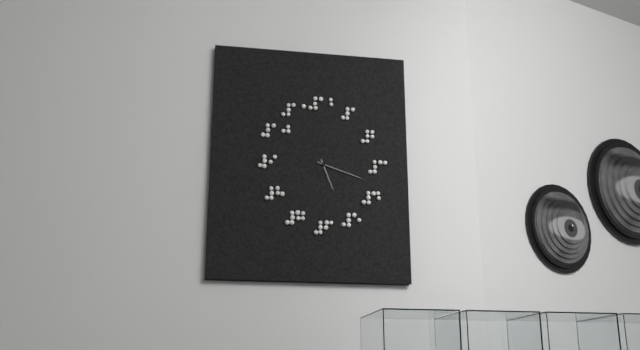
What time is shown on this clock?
5:18
